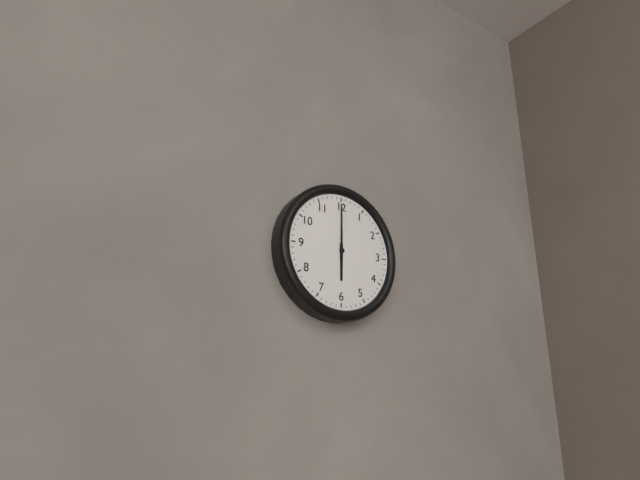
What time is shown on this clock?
6:00
